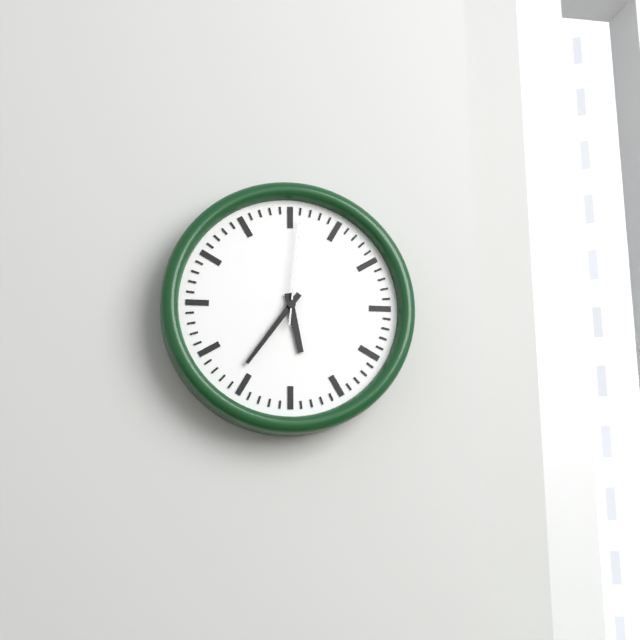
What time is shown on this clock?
5:36:01
